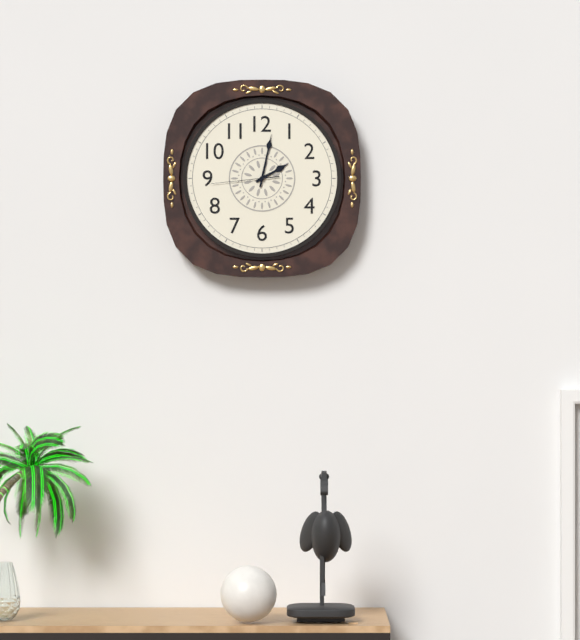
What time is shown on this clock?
2:02:44
